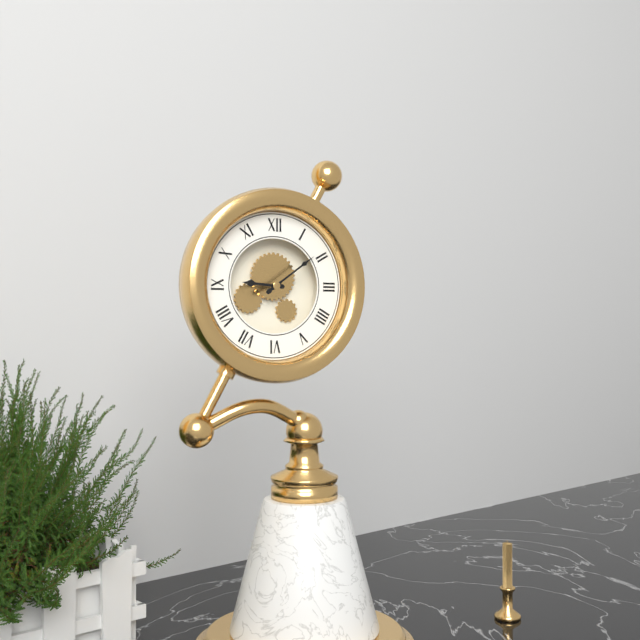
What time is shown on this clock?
9:09
